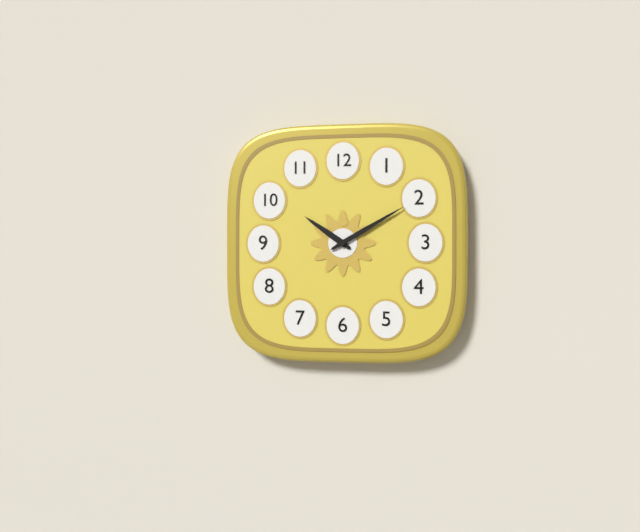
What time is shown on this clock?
10:10
